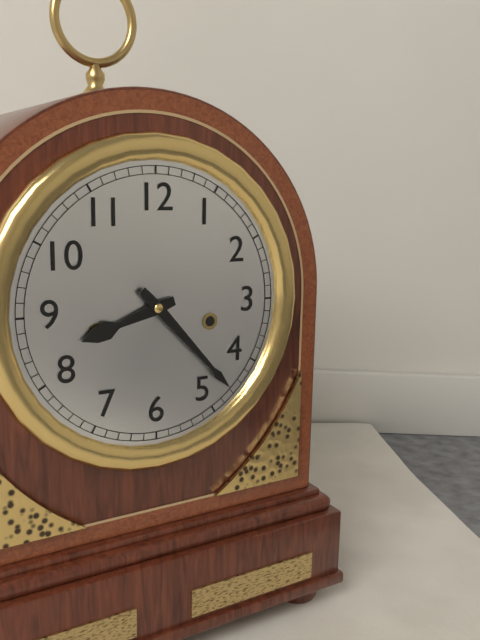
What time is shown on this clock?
8:23
